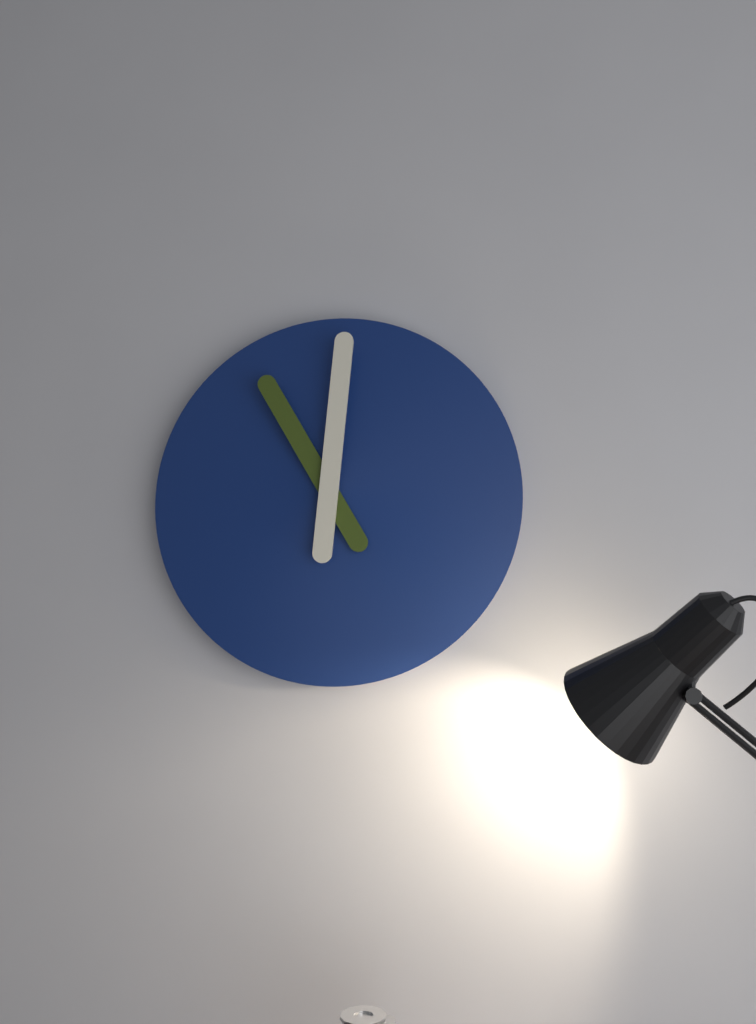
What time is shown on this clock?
11:01
